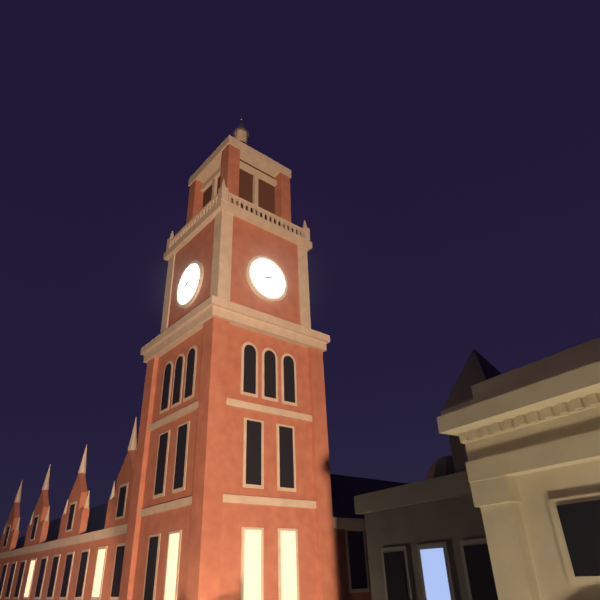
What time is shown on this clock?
8:12
